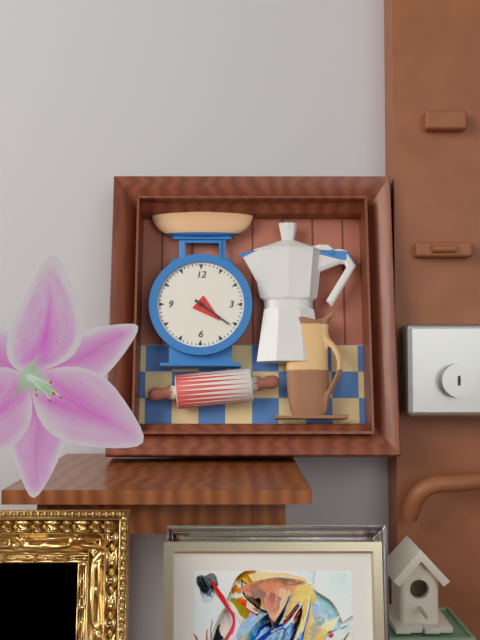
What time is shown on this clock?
4:21
